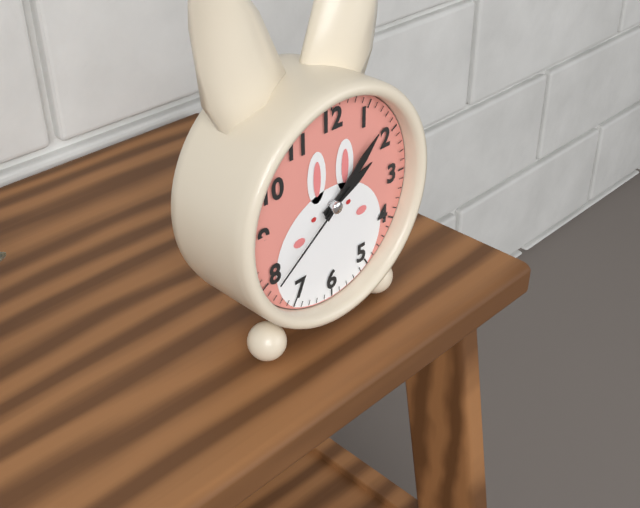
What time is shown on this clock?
2:08:39
